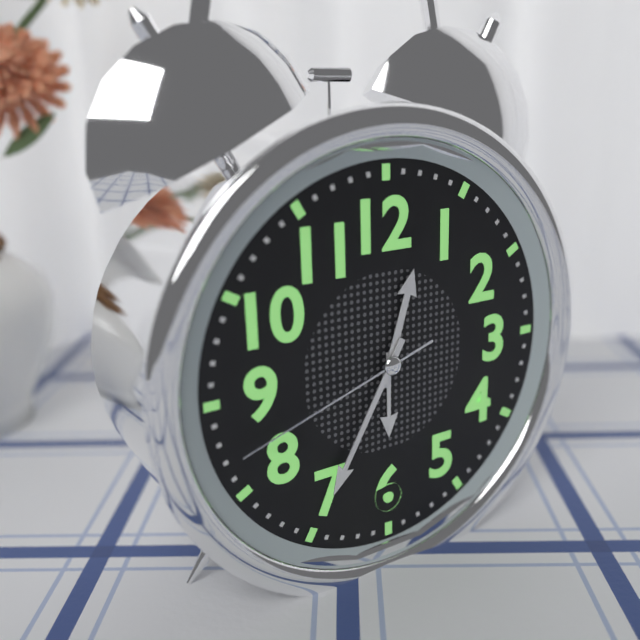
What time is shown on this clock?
12:35:42
